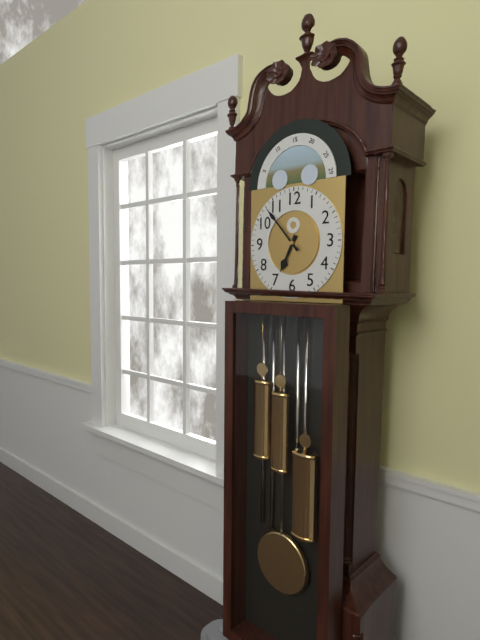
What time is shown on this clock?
6:53
